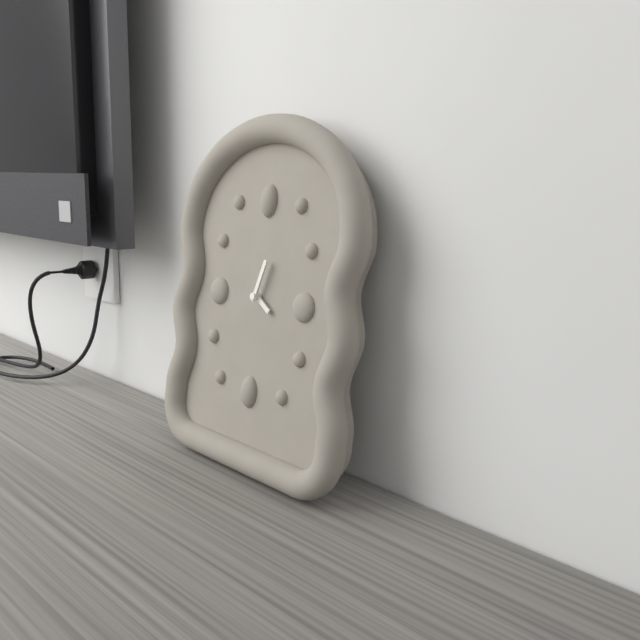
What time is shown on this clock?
4:03
